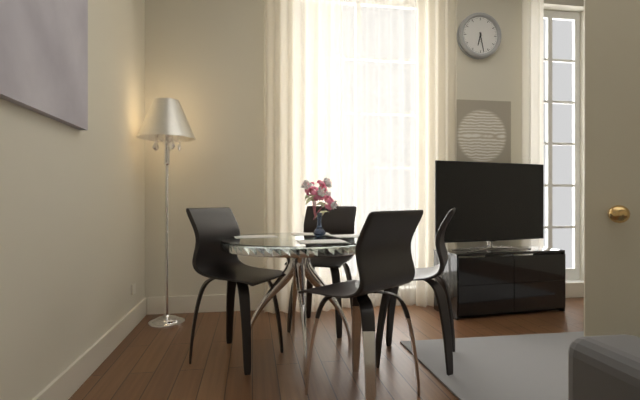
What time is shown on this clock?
6:28
